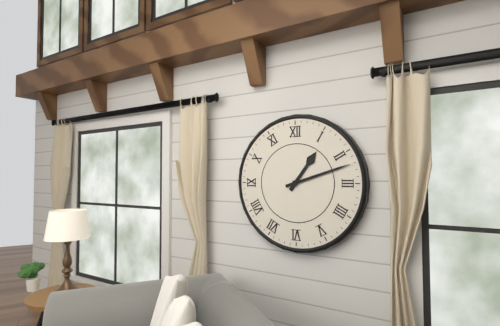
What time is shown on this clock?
1:12
